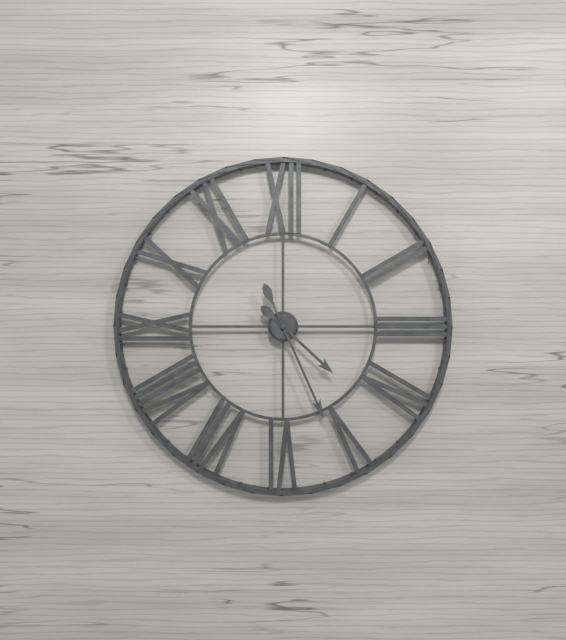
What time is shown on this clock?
4:26
